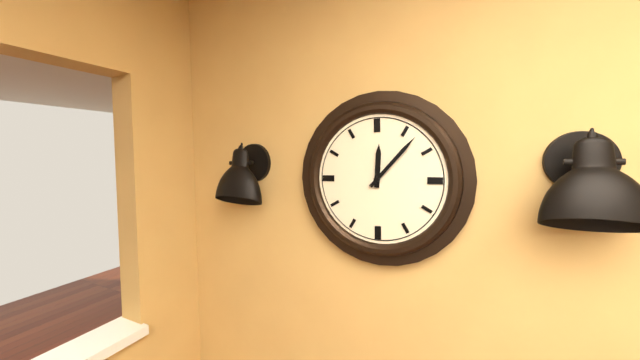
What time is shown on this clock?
12:07
